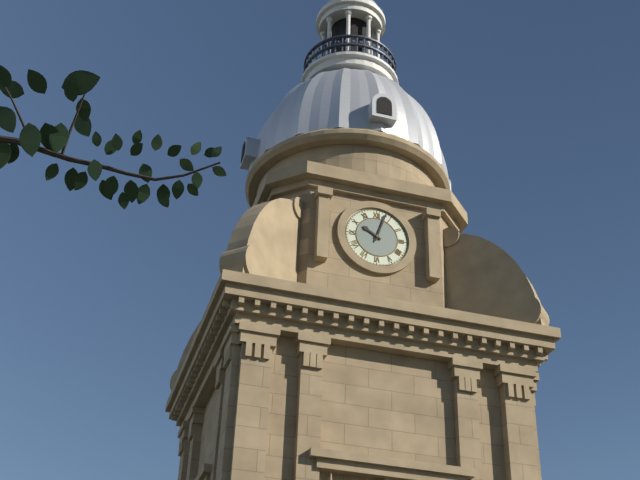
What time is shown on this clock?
10:03
